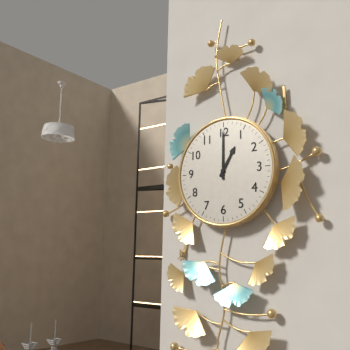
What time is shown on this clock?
1:00
